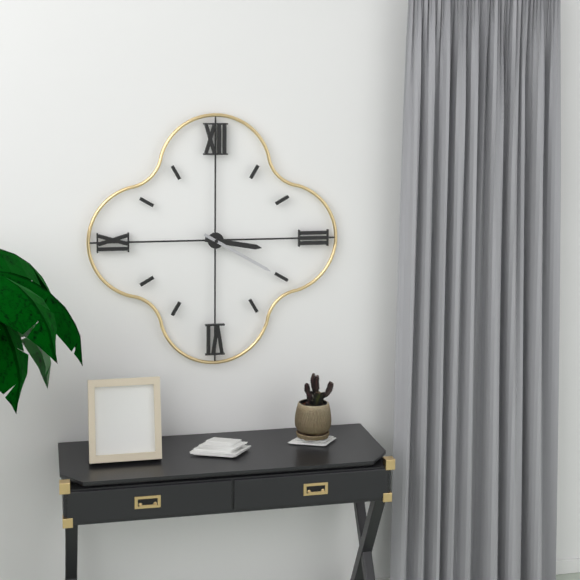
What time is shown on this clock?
3:20
